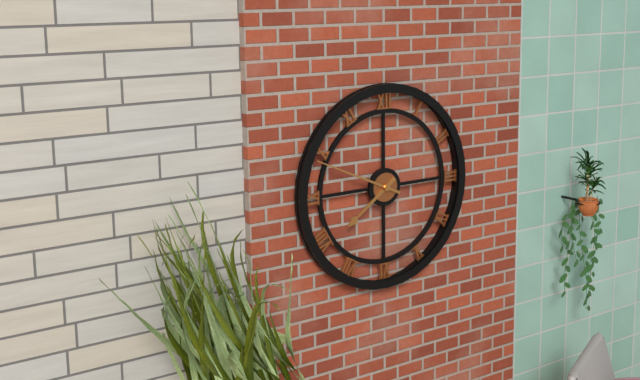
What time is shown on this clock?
7:49
